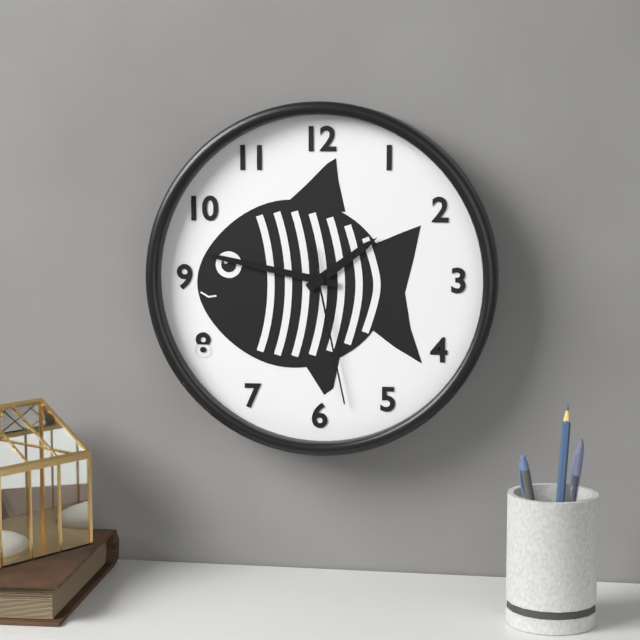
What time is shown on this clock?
1:47:28
